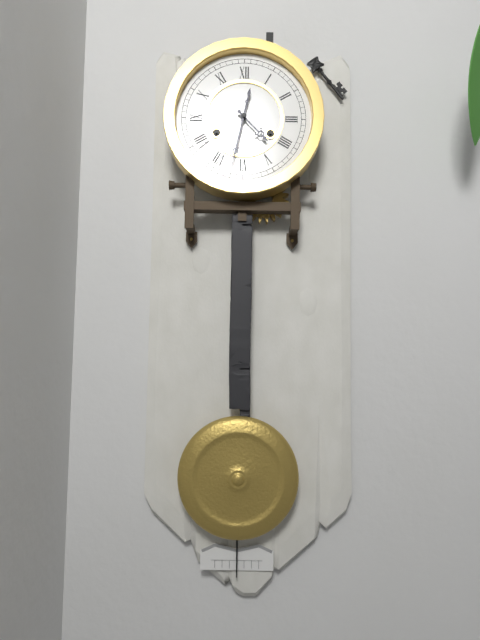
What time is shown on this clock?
4:32
